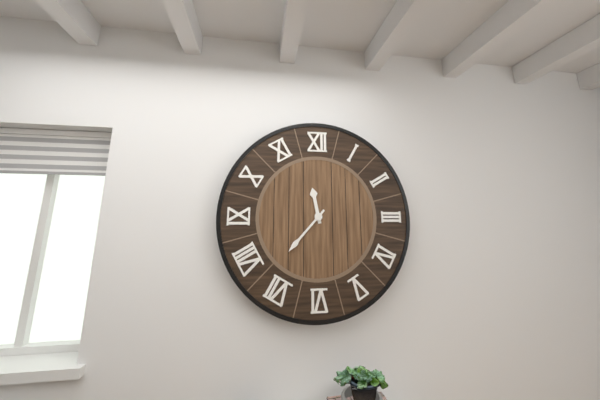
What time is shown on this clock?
11:37
